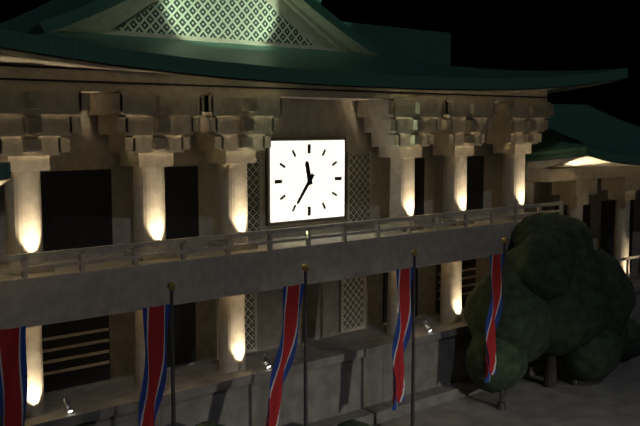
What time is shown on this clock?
11:36
